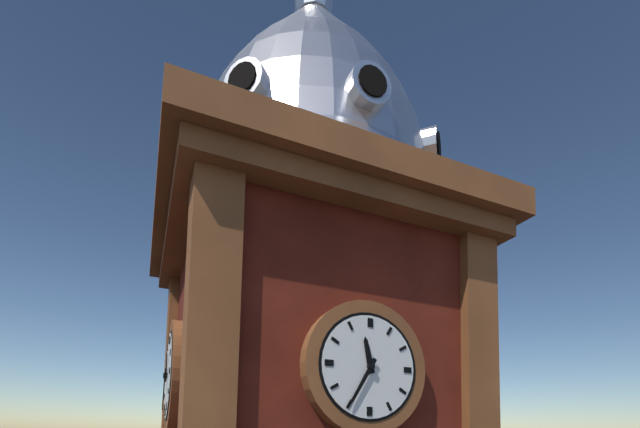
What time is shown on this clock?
11:35
